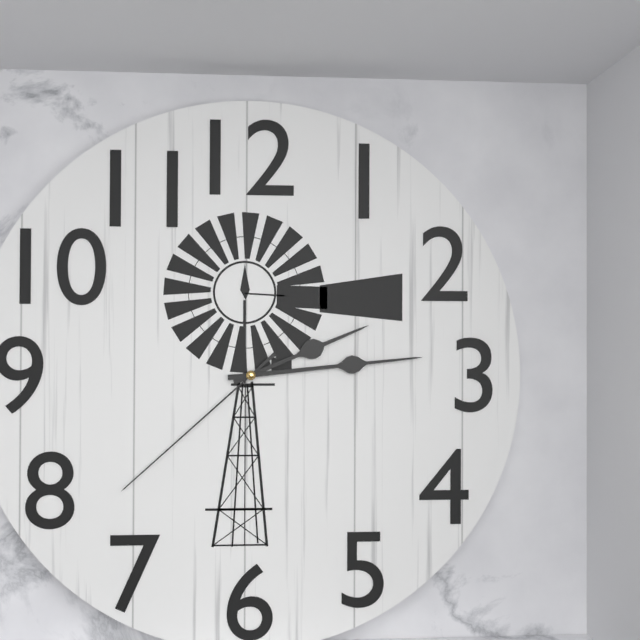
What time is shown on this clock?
2:14:38
